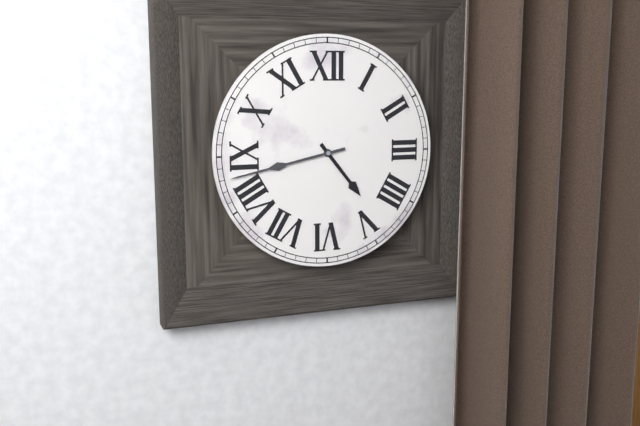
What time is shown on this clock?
4:43
